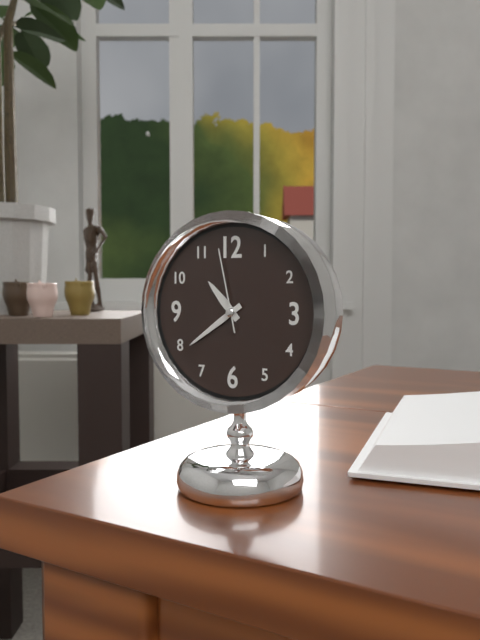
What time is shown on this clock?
10:39:58
